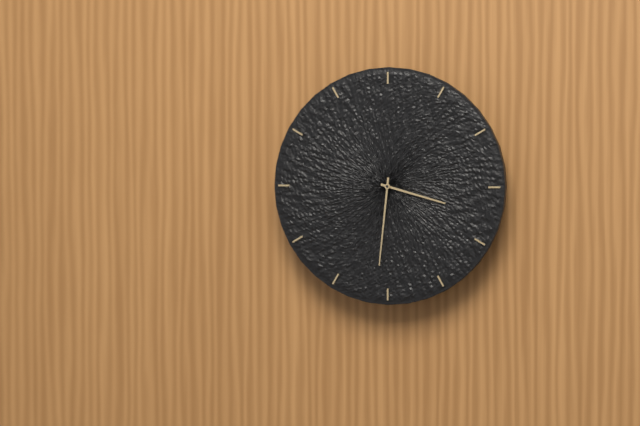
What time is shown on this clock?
3:31
